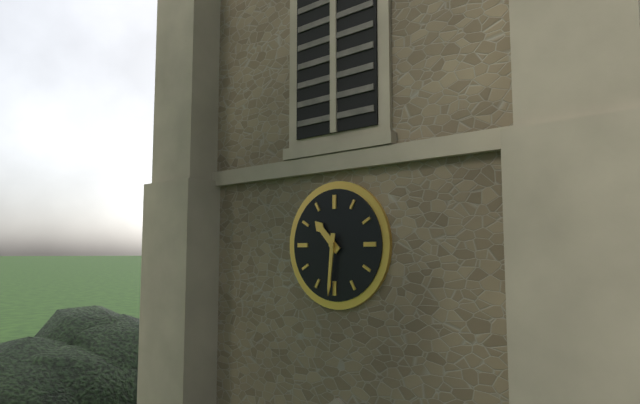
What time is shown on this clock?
10:31
